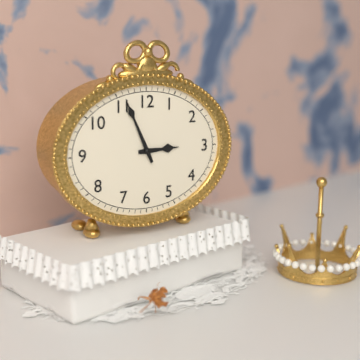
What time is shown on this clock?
2:56
